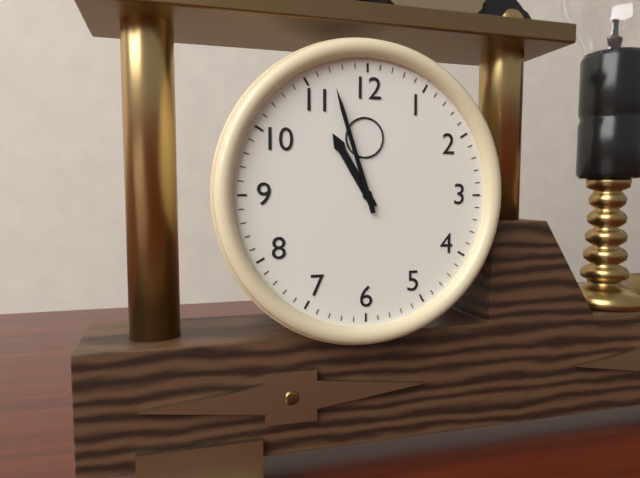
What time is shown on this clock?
10:57
